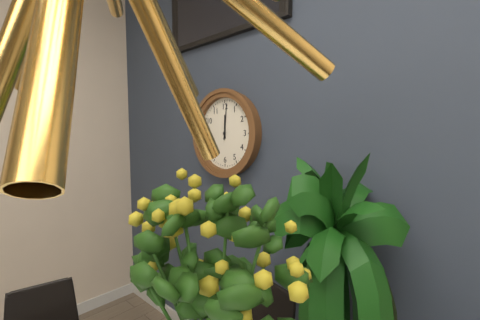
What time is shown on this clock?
12:01
